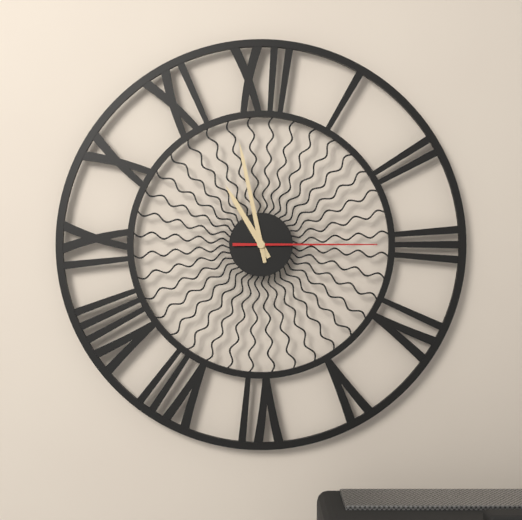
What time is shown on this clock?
10:58:15
